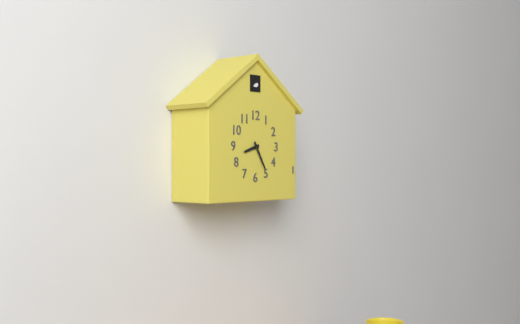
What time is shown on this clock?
8:25
